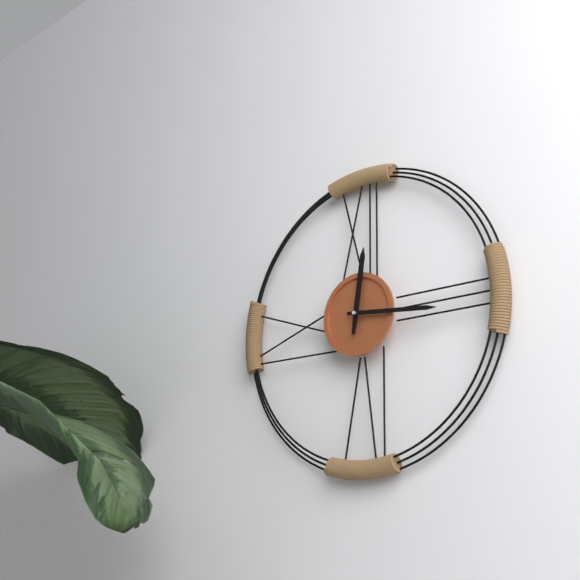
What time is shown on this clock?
12:16
